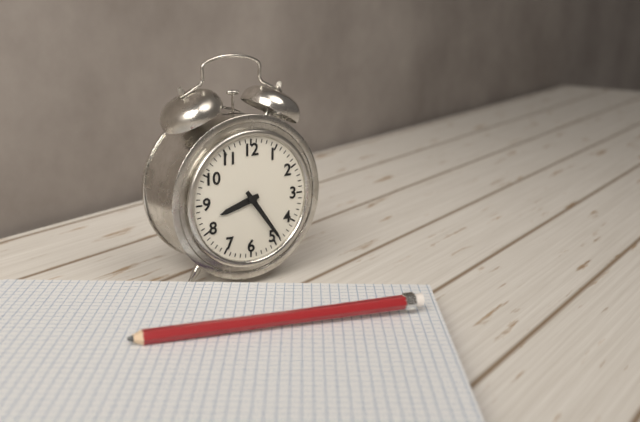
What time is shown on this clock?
8:24
